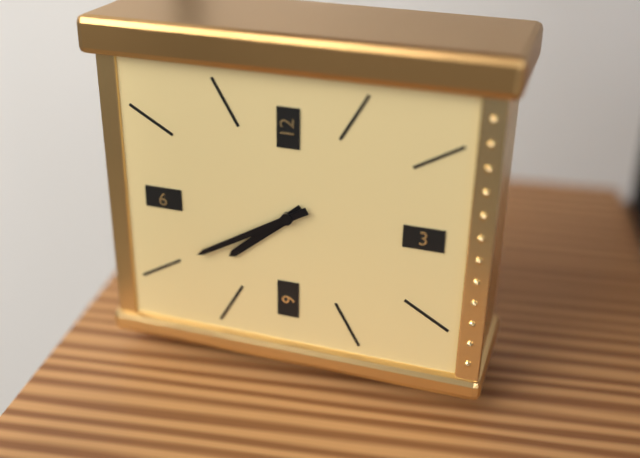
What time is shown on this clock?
7:40
